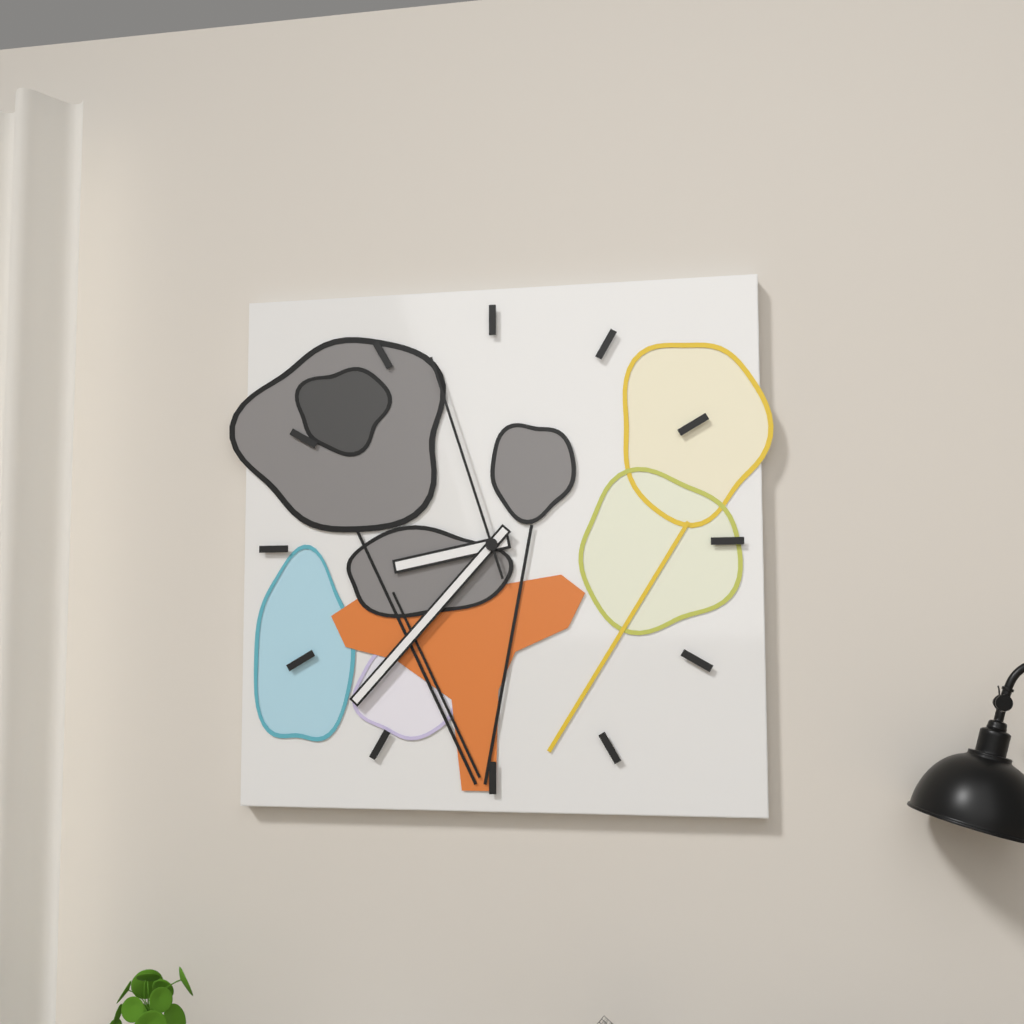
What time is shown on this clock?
8:37:57
